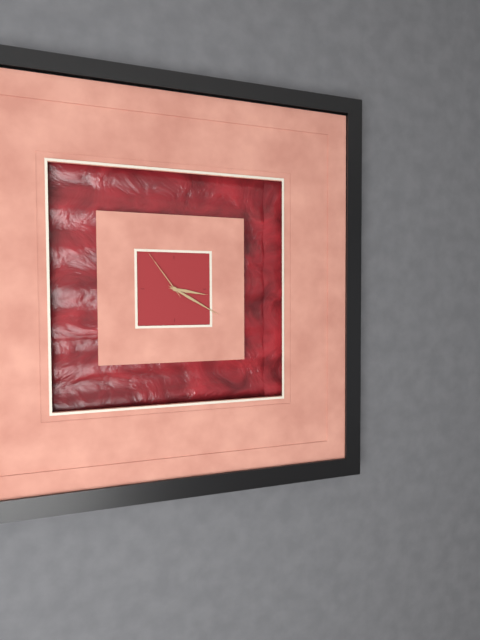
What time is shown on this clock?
3:20:54
